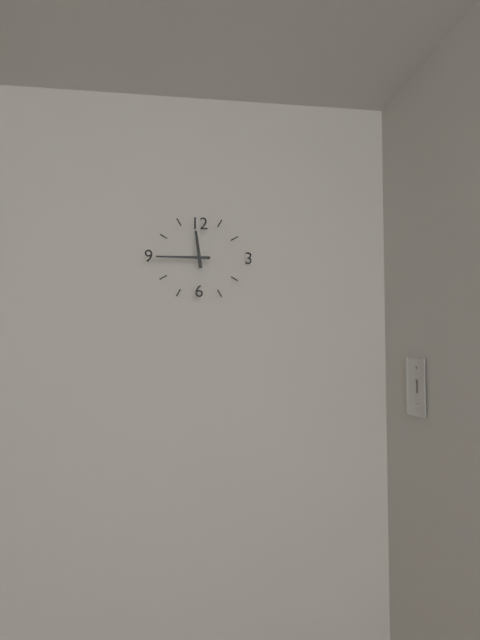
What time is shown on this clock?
11:45
